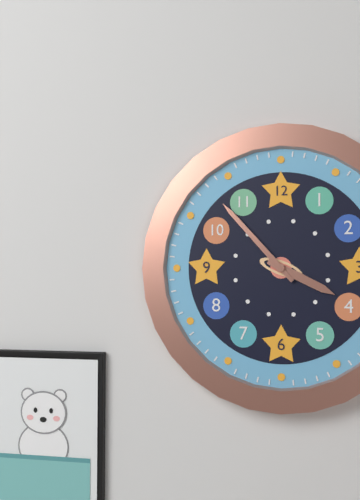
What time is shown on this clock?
3:53
